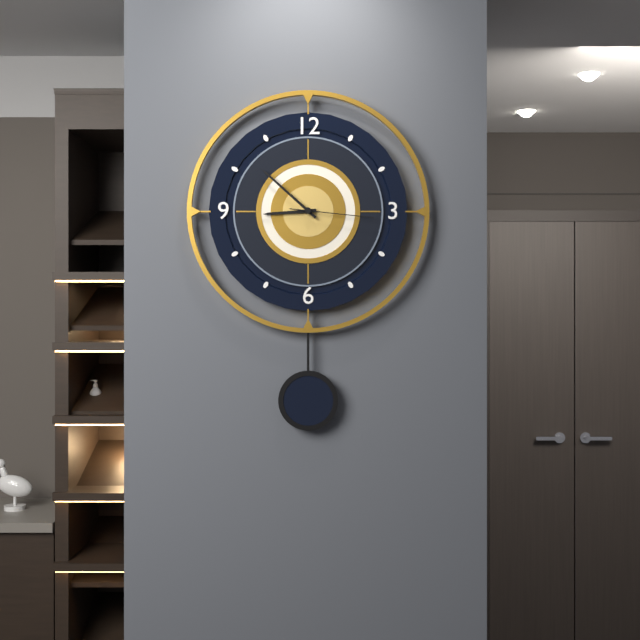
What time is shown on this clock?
8:52:16
